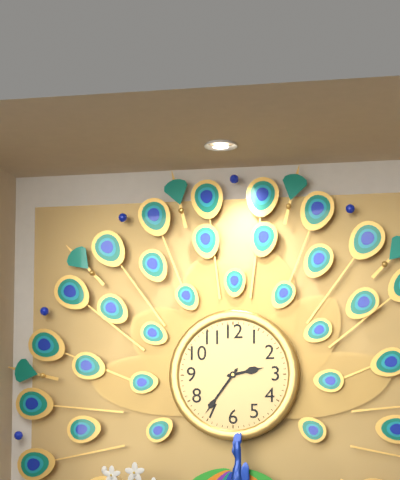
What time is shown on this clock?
2:36
